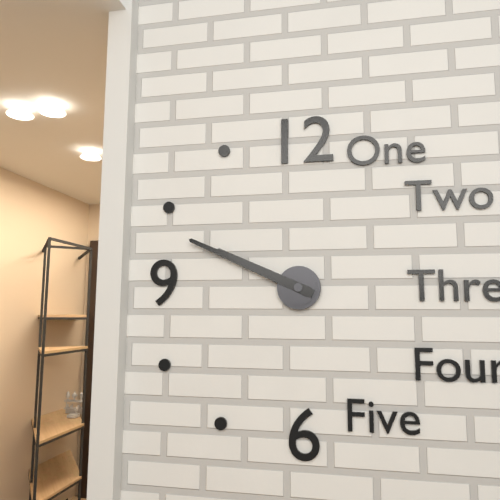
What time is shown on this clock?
9:49
